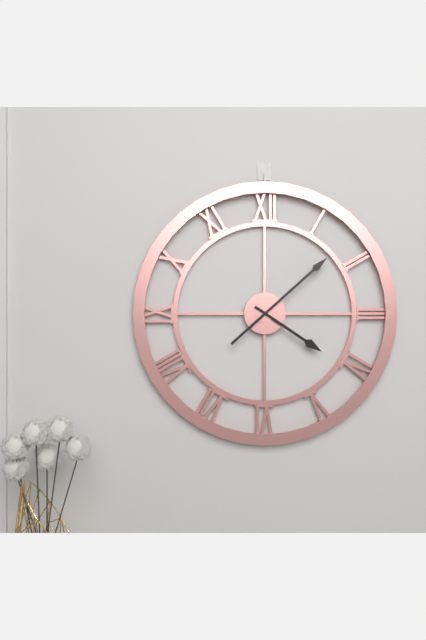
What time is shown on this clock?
4:08
